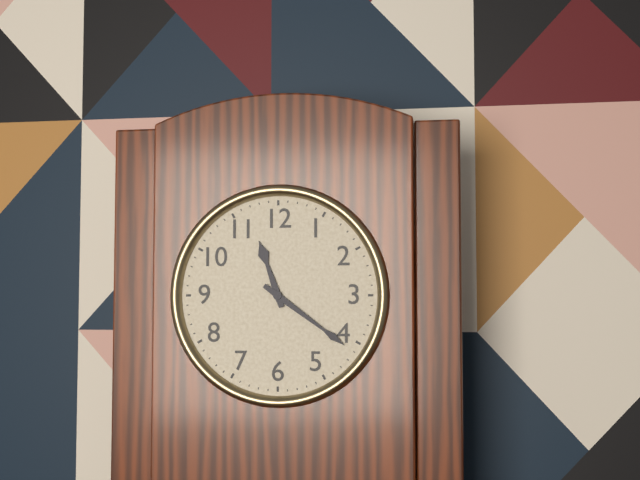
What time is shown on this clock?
11:21
